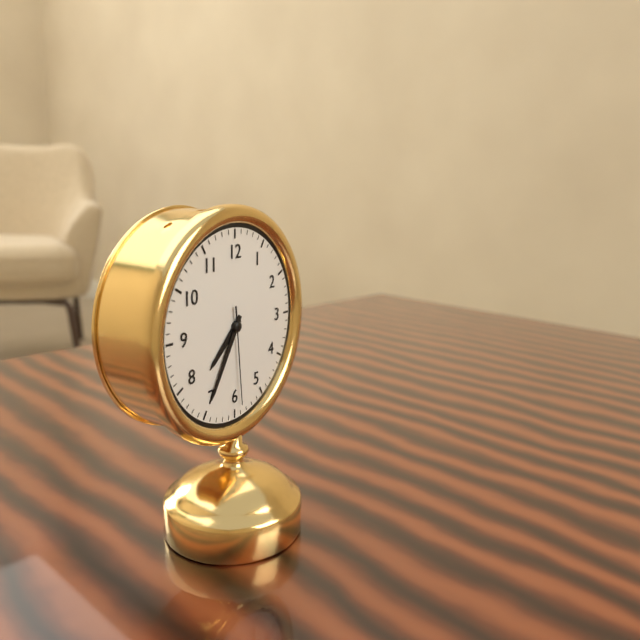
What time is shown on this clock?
7:35:29
